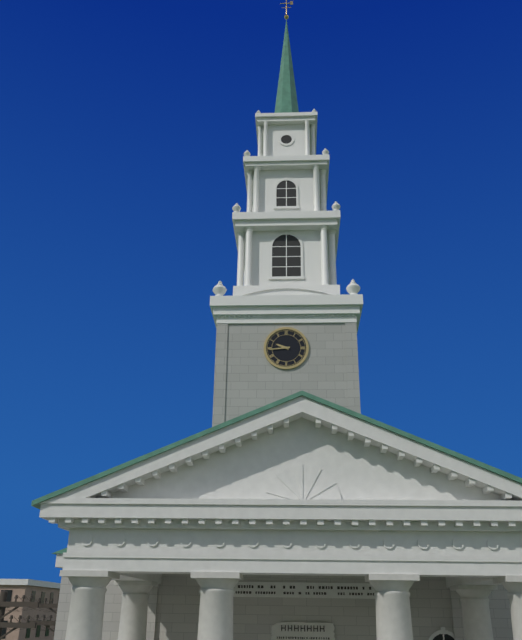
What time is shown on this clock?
9:44
